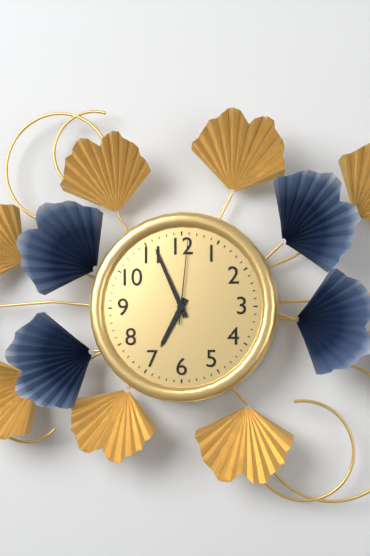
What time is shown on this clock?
6:56:01
